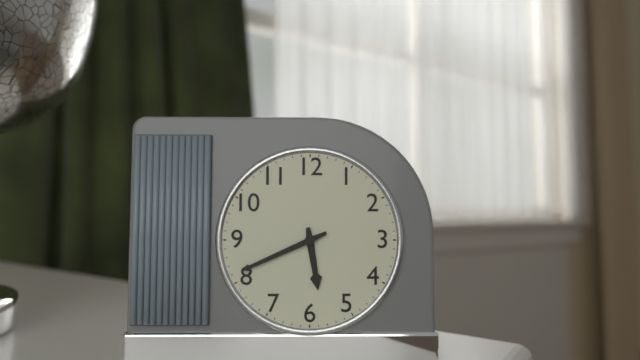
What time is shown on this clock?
5:41
